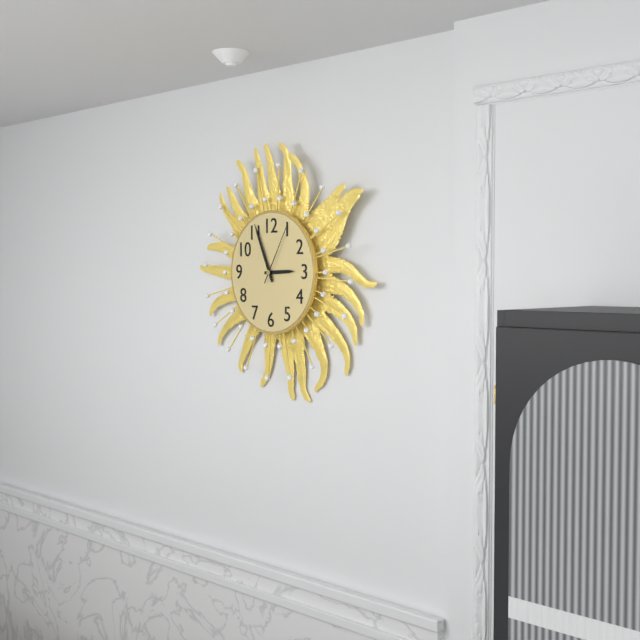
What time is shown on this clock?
2:56:05
